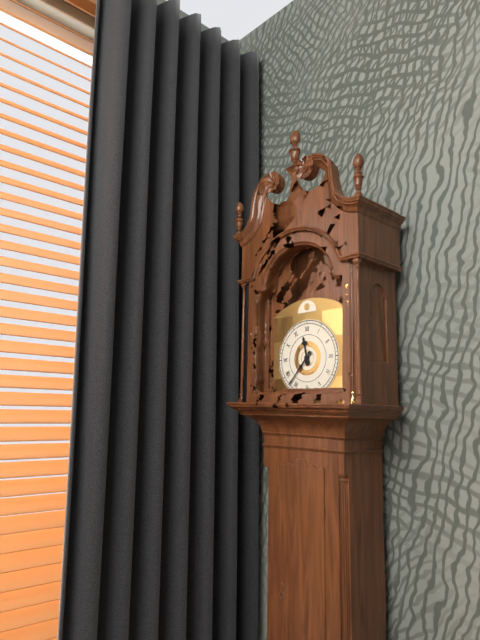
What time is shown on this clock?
11:37
